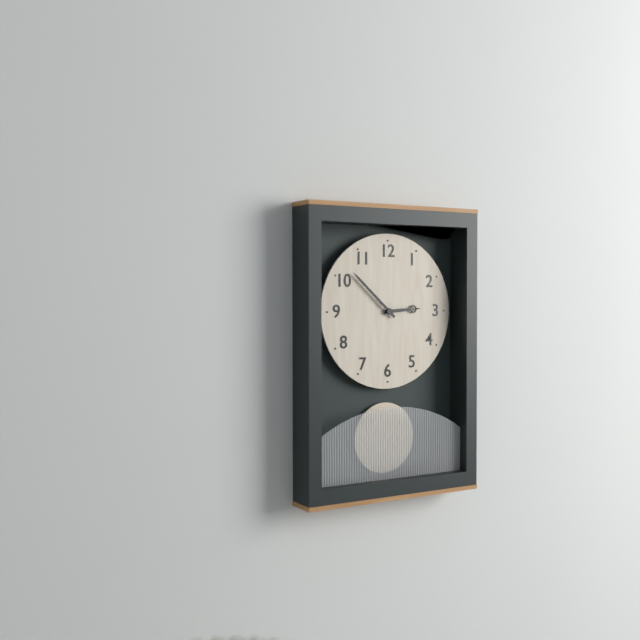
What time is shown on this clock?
2:52
